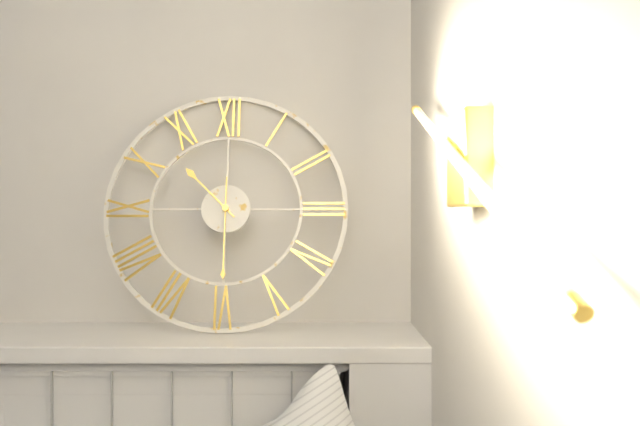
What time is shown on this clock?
10:30
